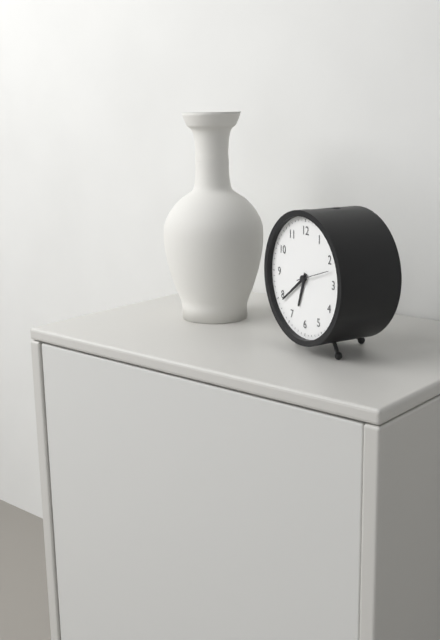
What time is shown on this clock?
6:39
